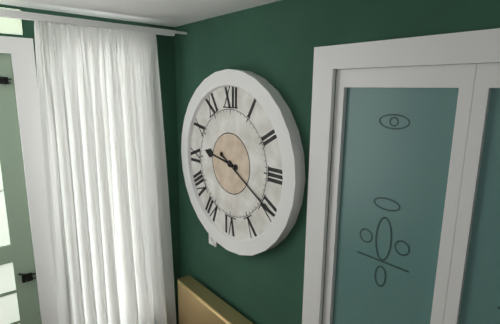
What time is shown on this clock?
9:20
